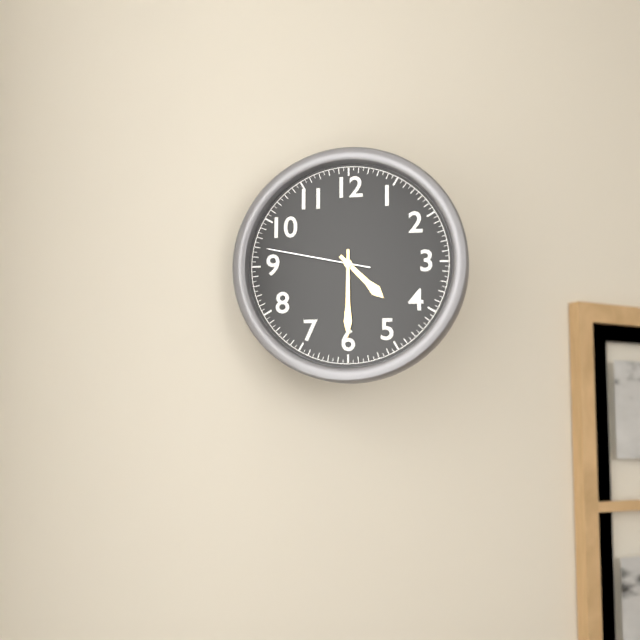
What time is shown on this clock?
4:30:47
